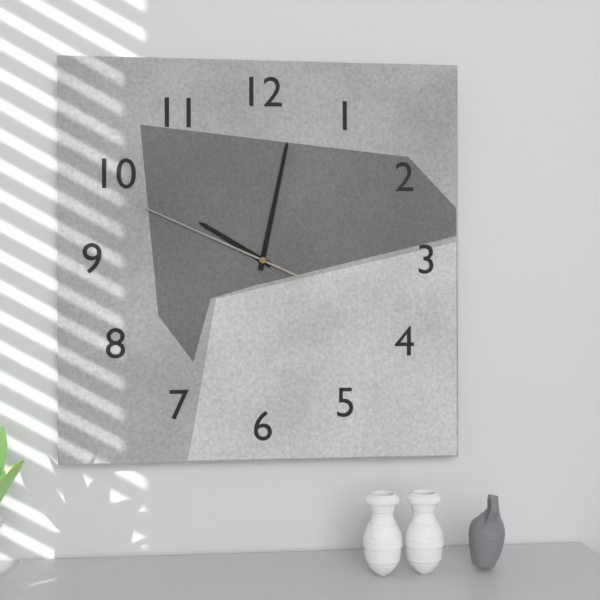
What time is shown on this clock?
10:02:49
